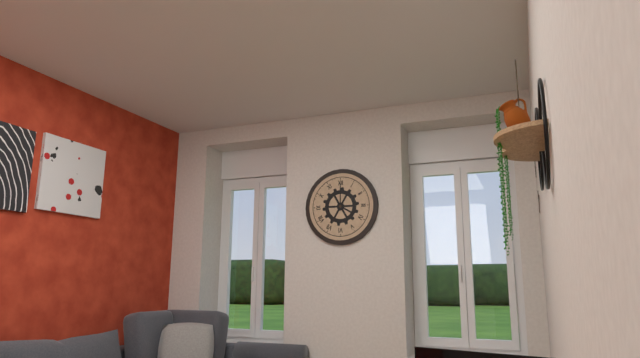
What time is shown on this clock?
4:00
